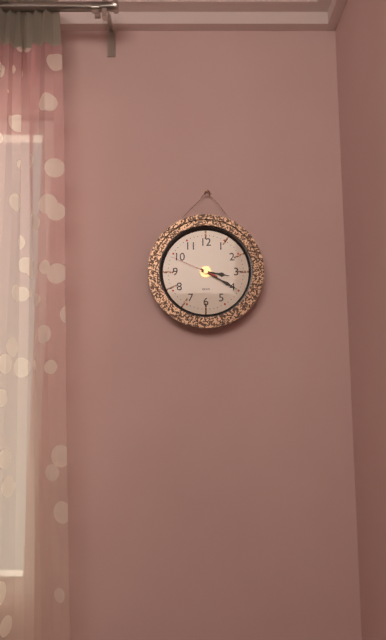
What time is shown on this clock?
3:20
